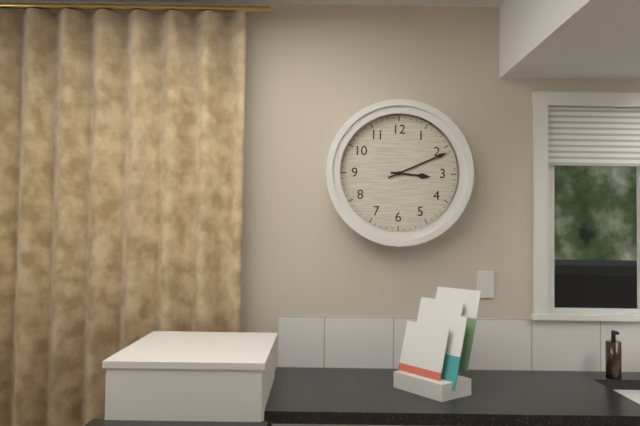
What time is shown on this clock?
3:11
